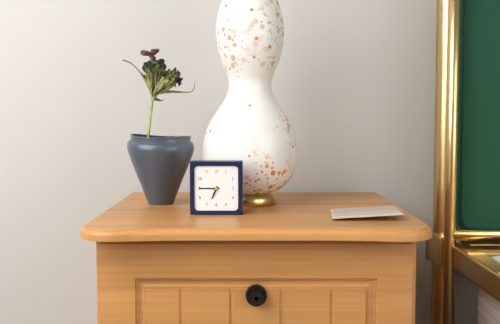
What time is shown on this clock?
6:45
